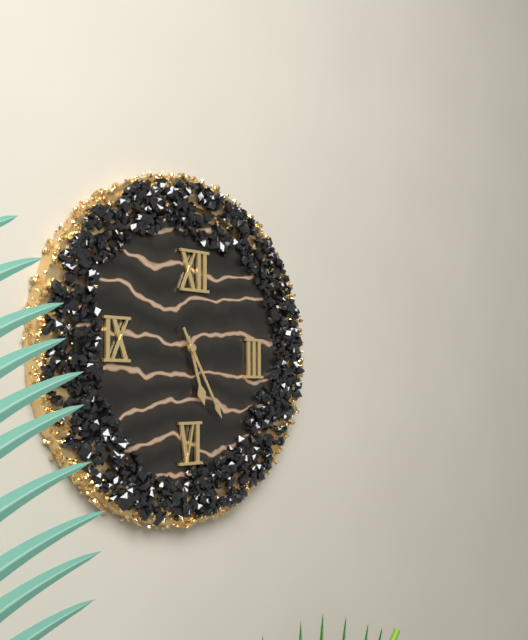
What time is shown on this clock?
5:25
